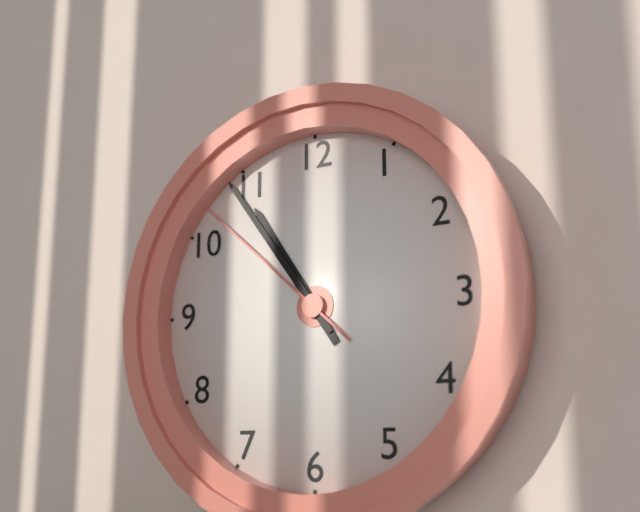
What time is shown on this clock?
10:54:52
